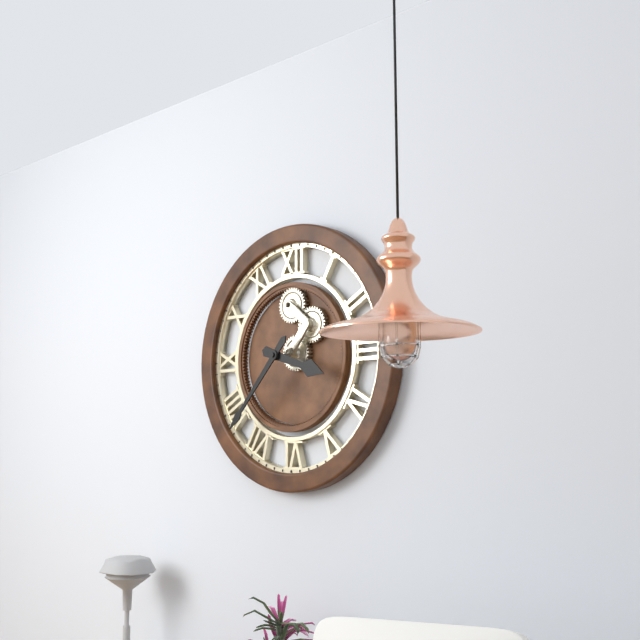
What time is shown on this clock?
3:37
